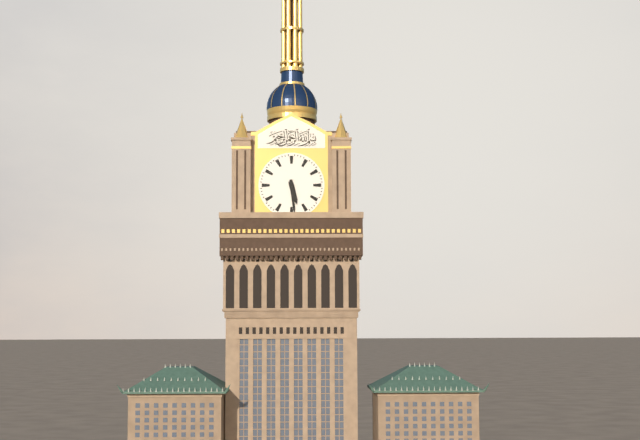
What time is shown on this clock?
5:29
